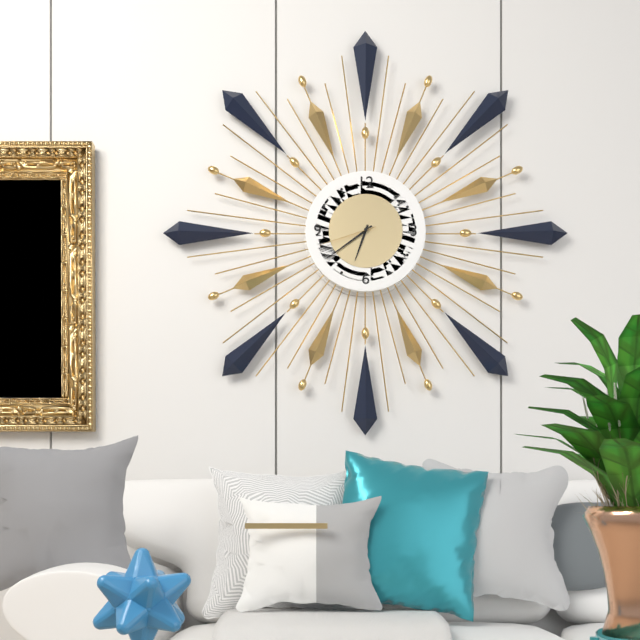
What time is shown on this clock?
6:39:42
